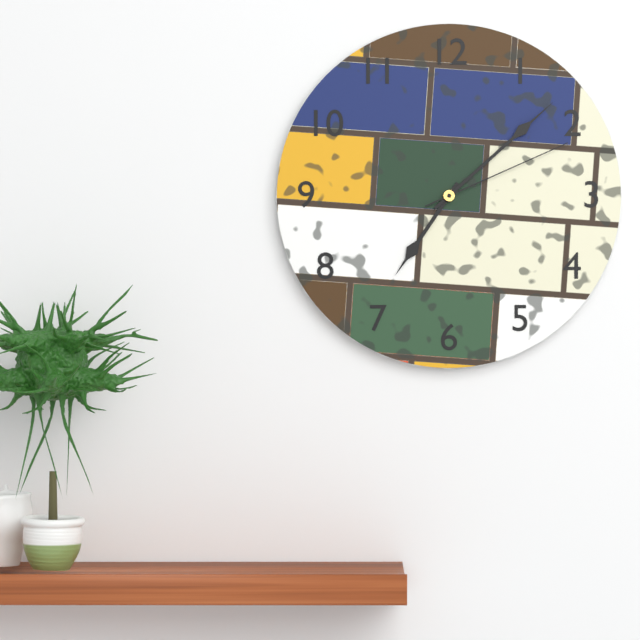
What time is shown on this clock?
7:08:11
